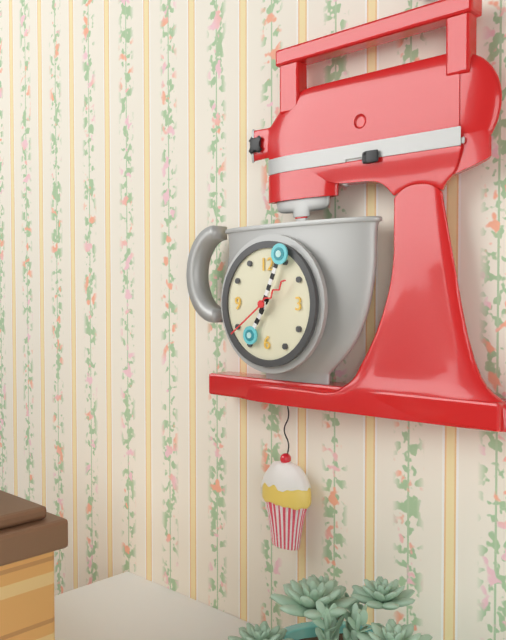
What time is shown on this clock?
7:04:39
